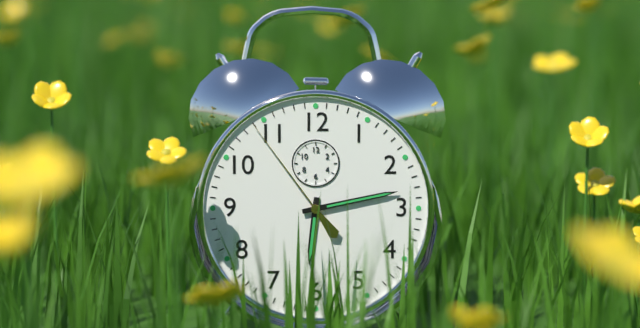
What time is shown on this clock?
6:13:54
